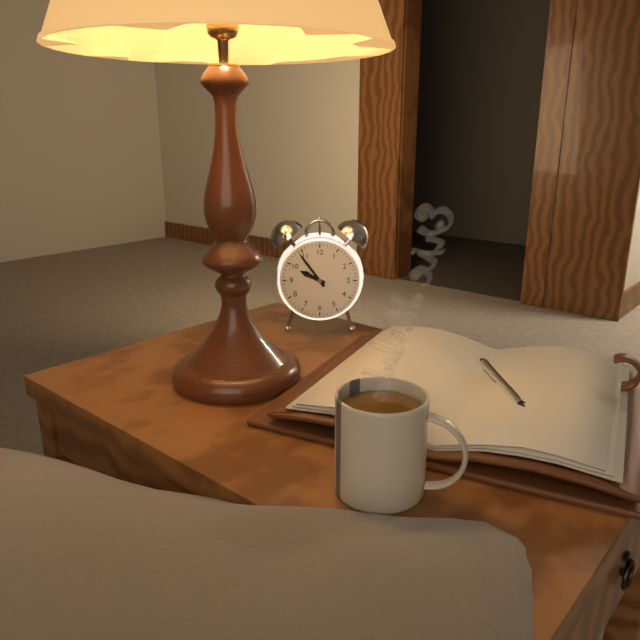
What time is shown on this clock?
9:54
